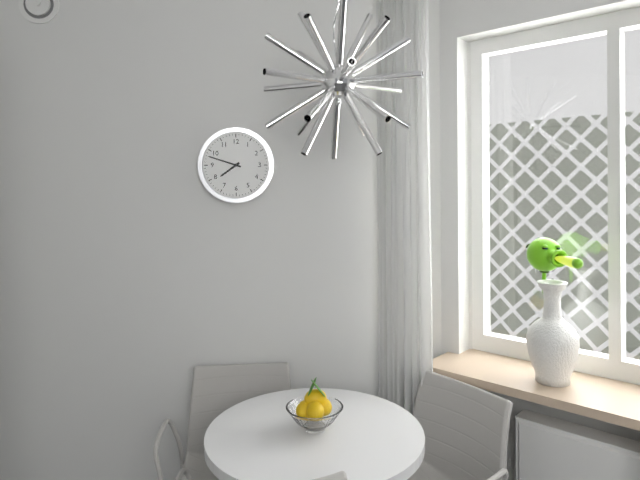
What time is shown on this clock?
7:48
